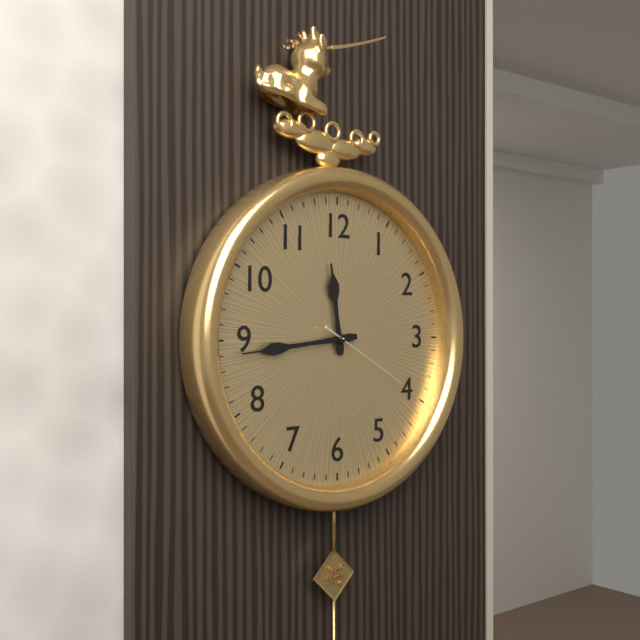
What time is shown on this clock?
11:44:20
